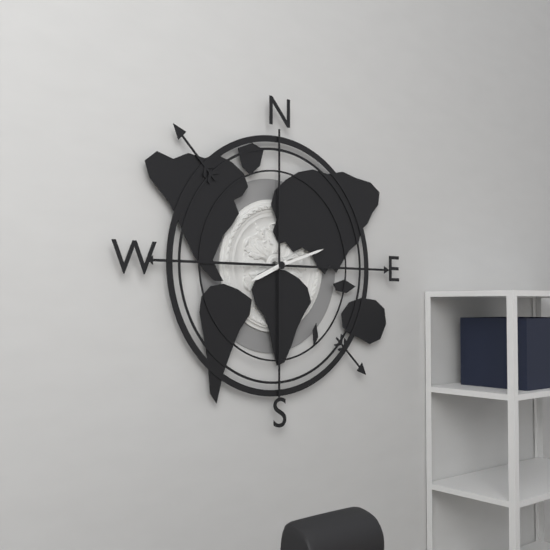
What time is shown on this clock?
8:12
